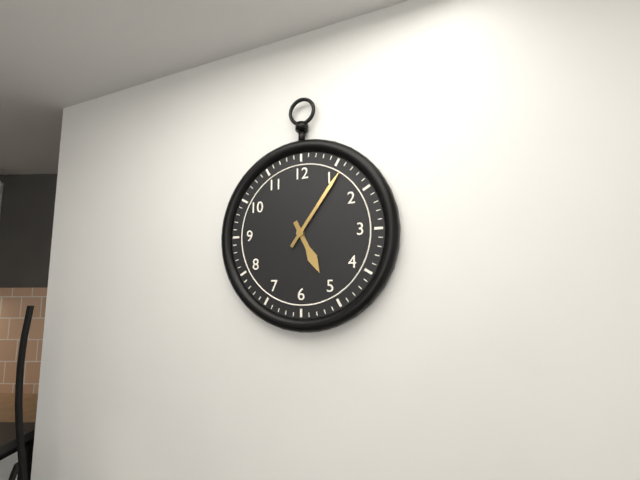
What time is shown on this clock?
5:06
